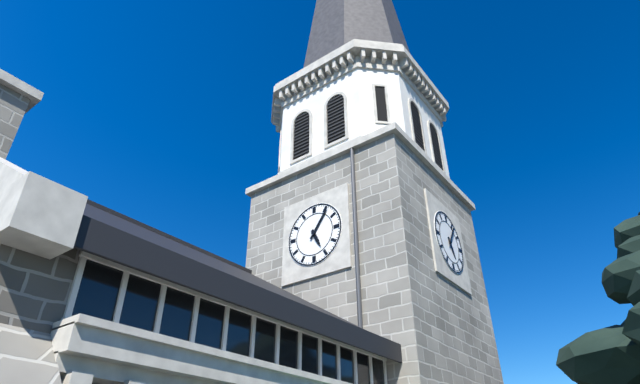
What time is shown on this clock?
5:06
